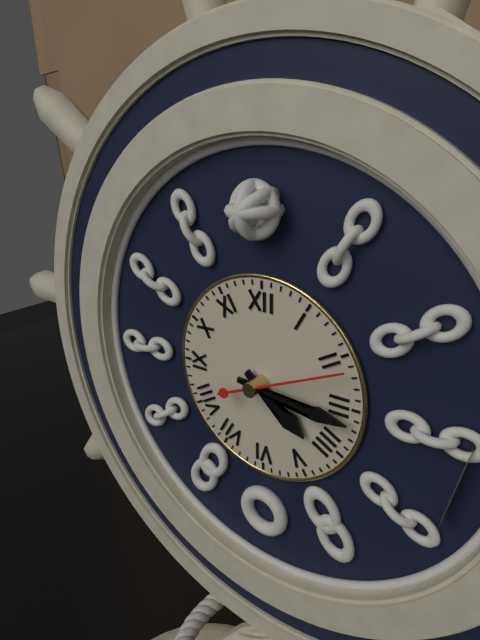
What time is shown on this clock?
4:16:11
